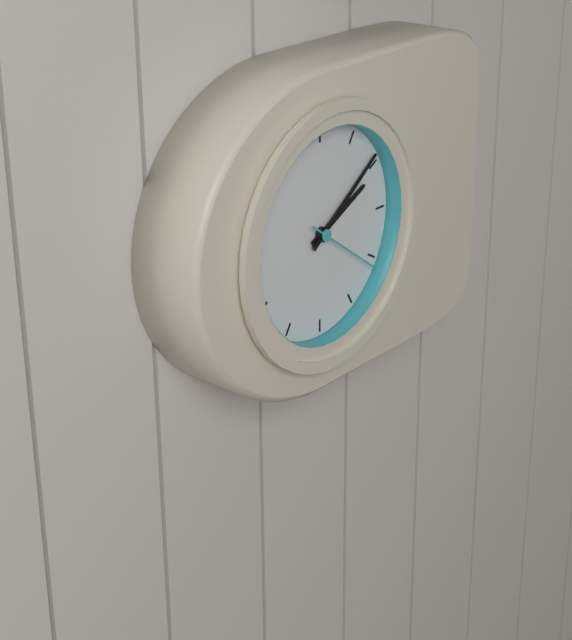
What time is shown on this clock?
2:09:21
